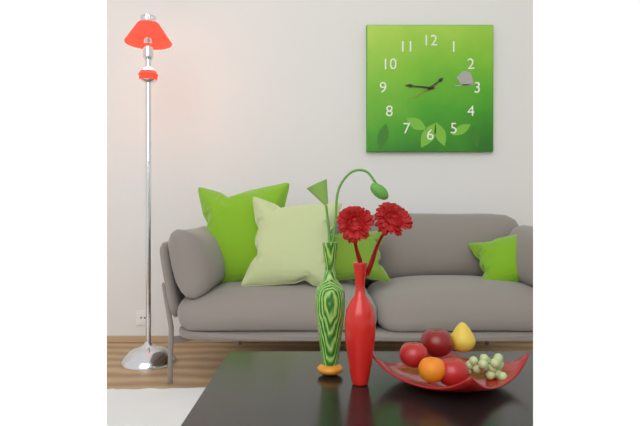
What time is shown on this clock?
1:46
